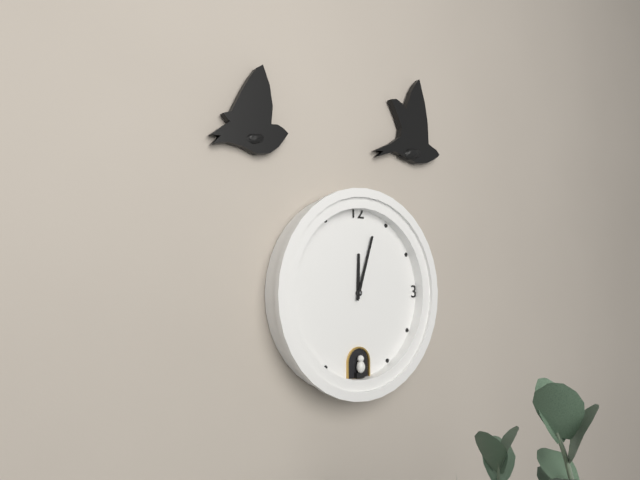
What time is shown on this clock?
12:03
